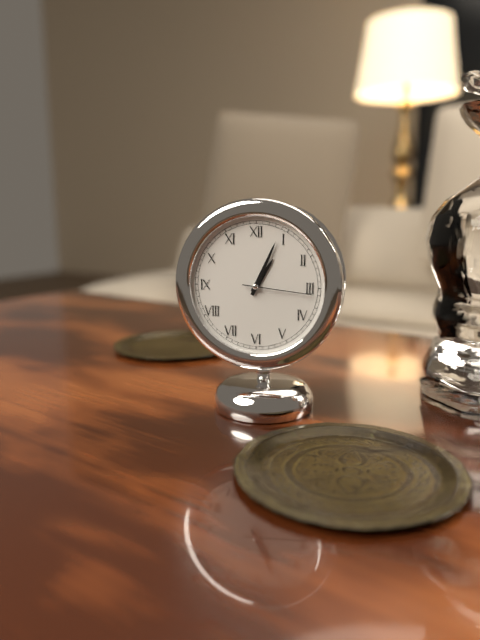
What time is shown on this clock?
1:04:16
